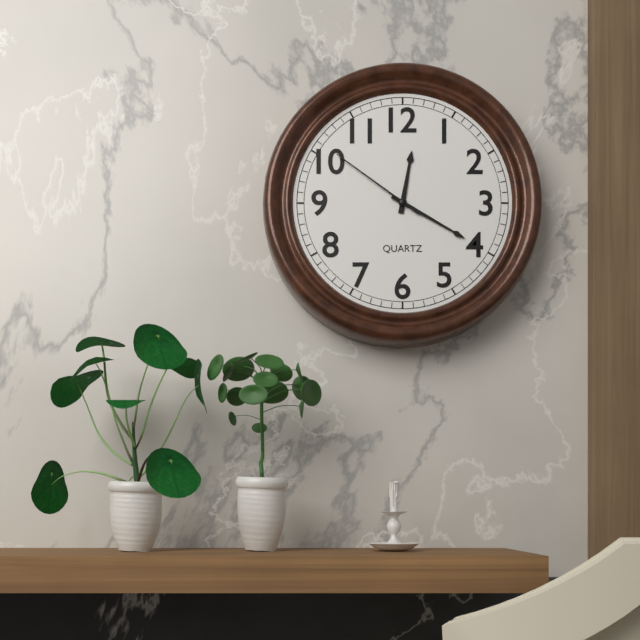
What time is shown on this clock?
12:20:51
